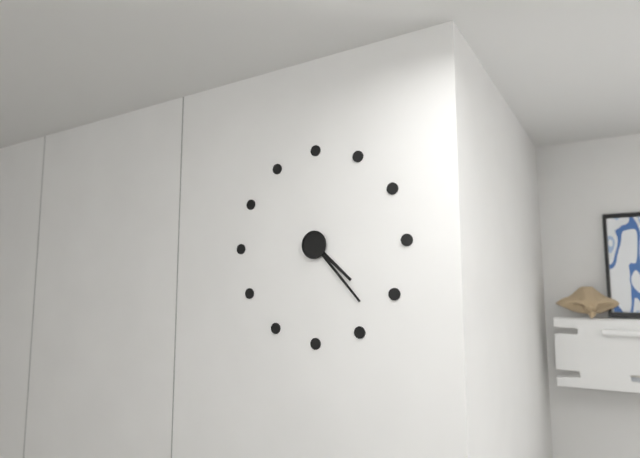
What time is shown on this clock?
4:23
